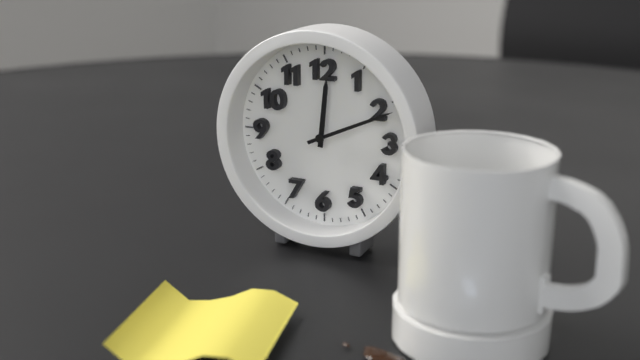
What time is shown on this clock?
12:11
